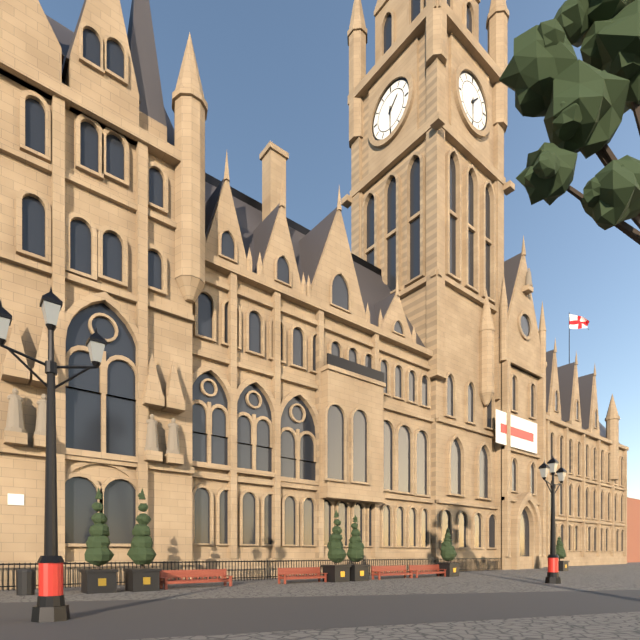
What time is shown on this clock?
1:30
